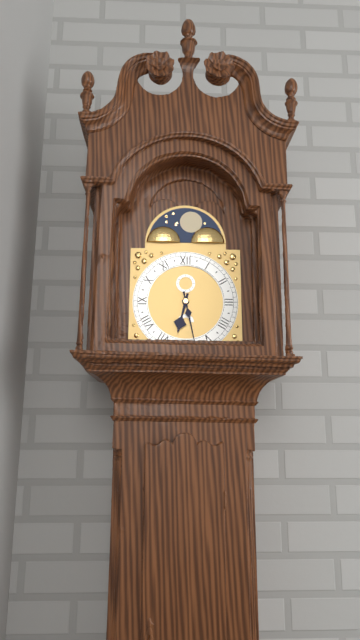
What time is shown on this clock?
6:28
